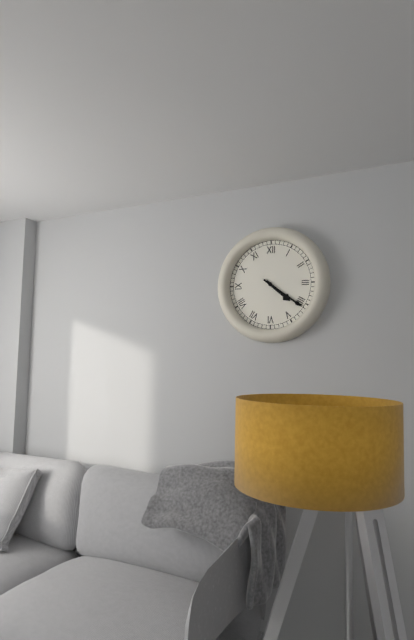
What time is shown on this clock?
4:21
